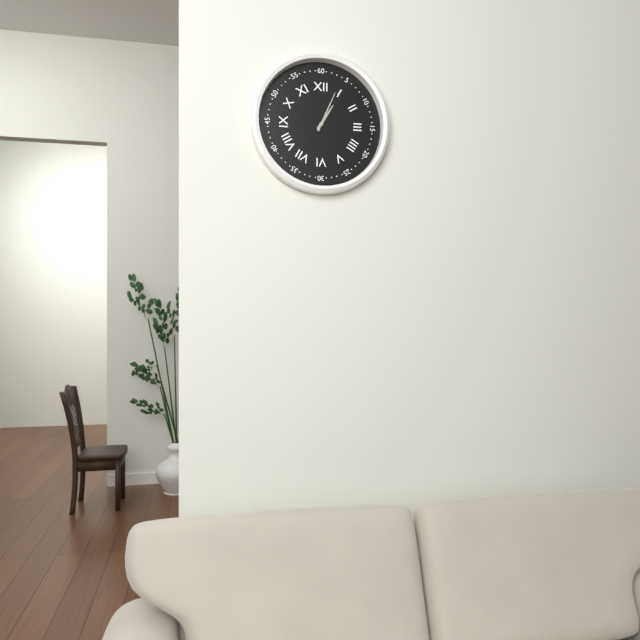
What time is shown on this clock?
1:04
